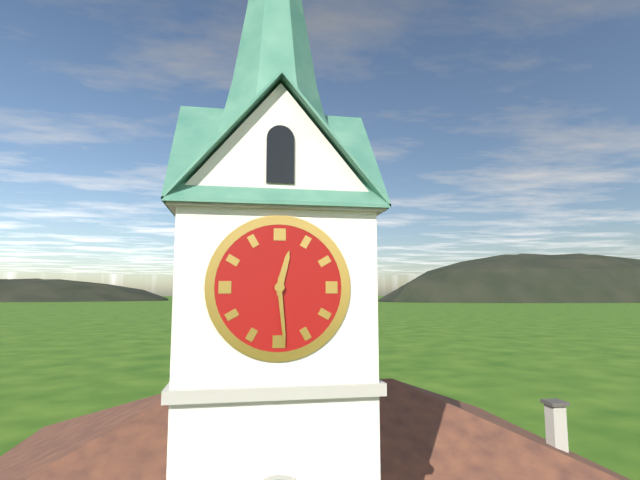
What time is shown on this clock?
12:29
